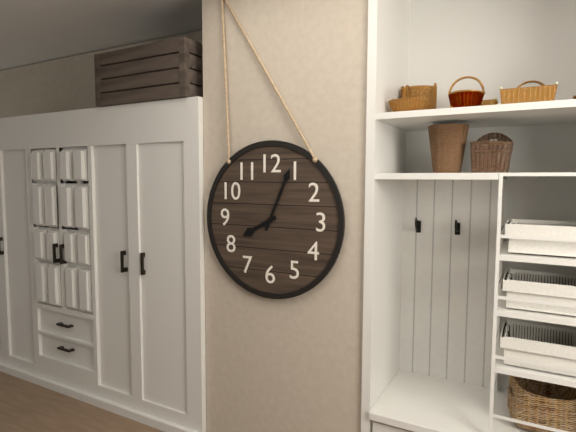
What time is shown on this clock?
8:04
